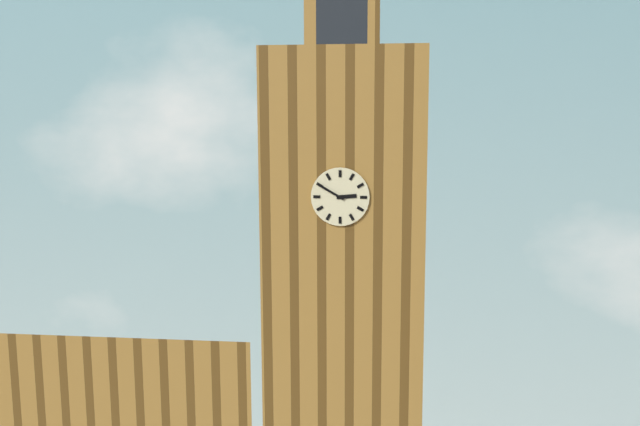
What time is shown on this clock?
2:50
